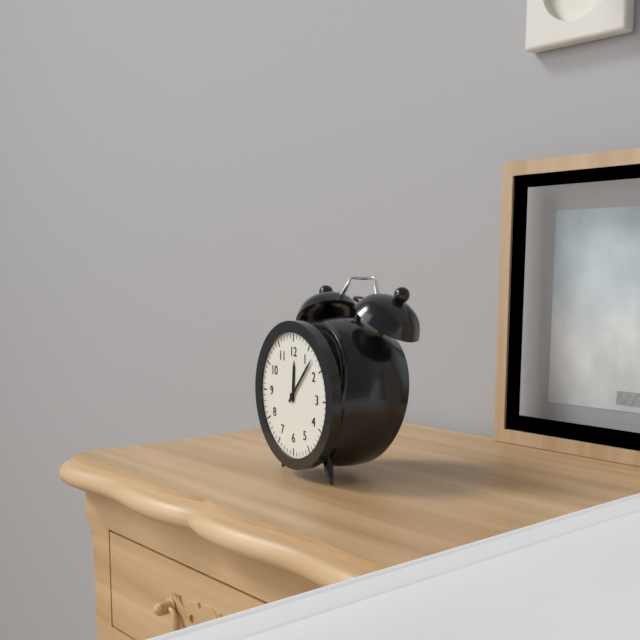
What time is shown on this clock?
12:07
